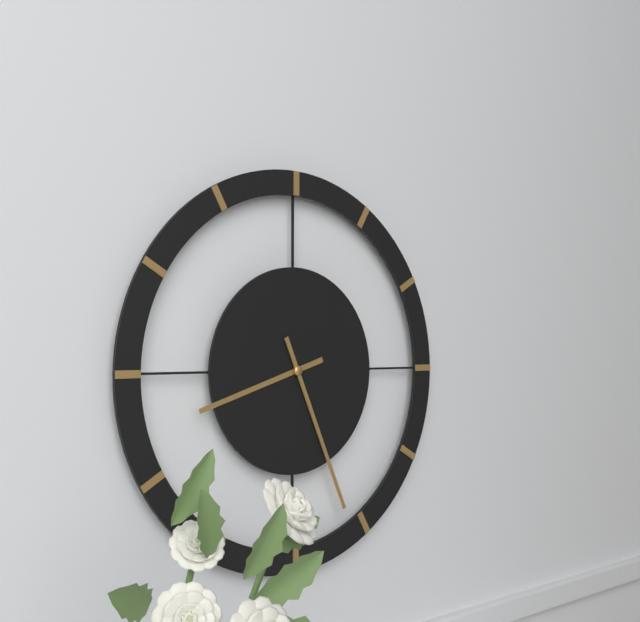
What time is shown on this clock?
8:26
